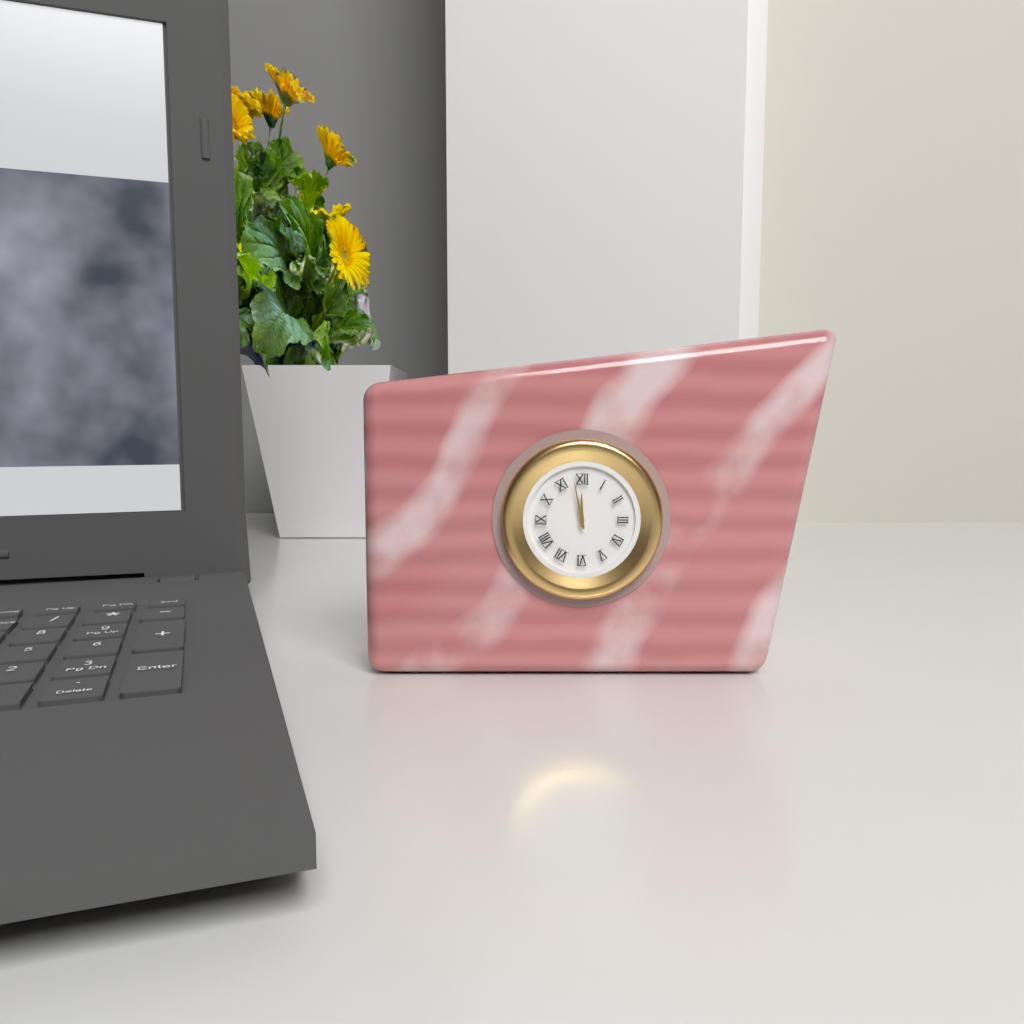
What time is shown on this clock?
11:58
